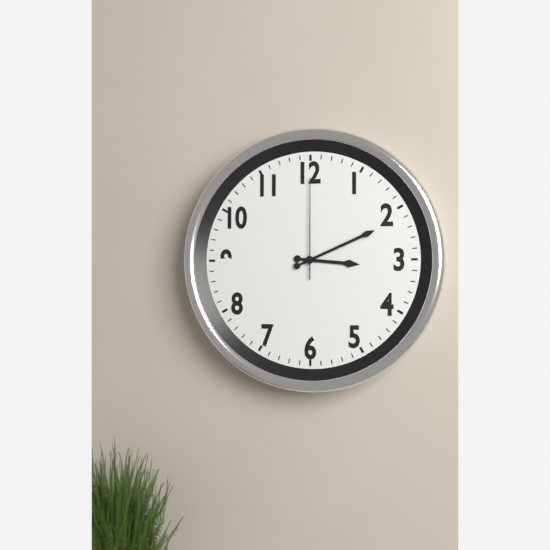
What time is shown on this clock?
3:11:00
